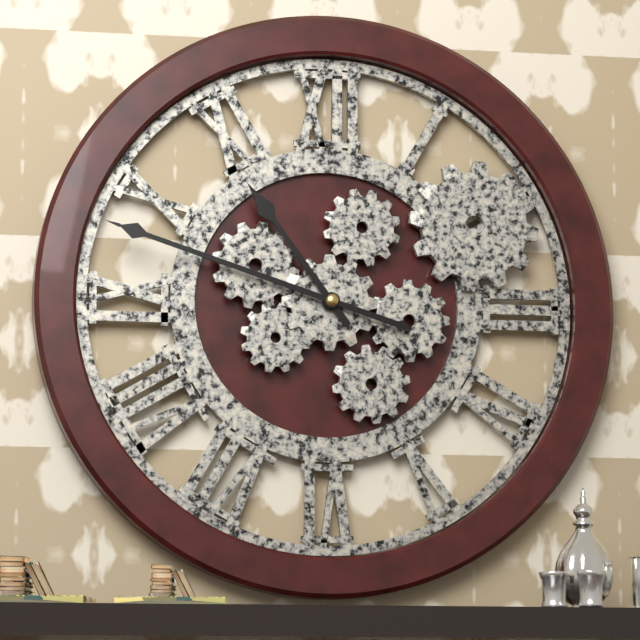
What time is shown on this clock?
10:48
